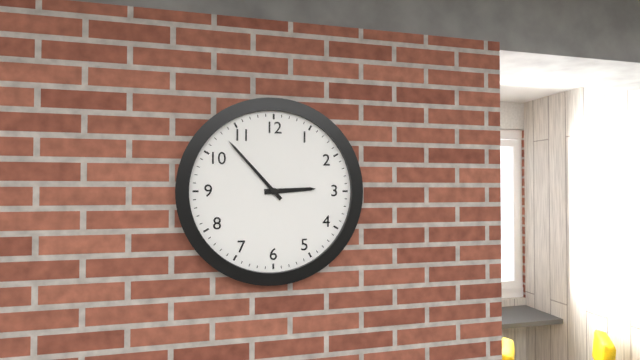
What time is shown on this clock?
2:53
